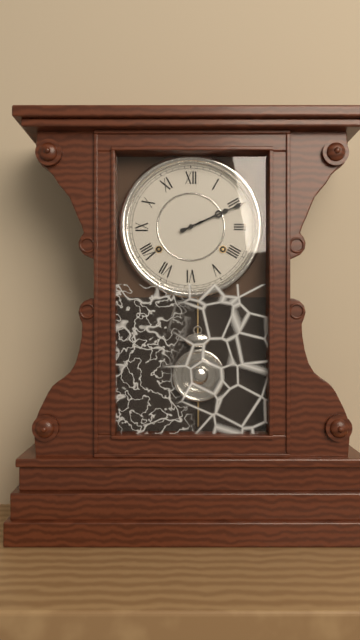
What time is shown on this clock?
2:11
